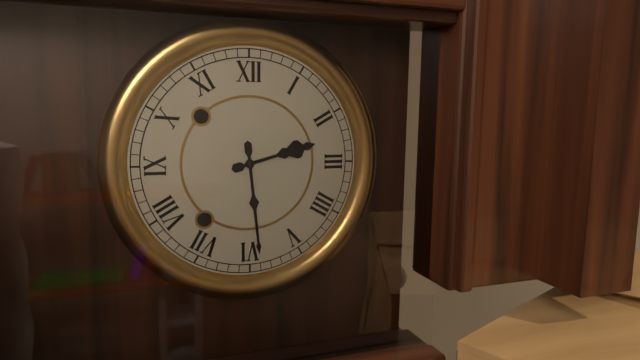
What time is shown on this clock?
2:29
